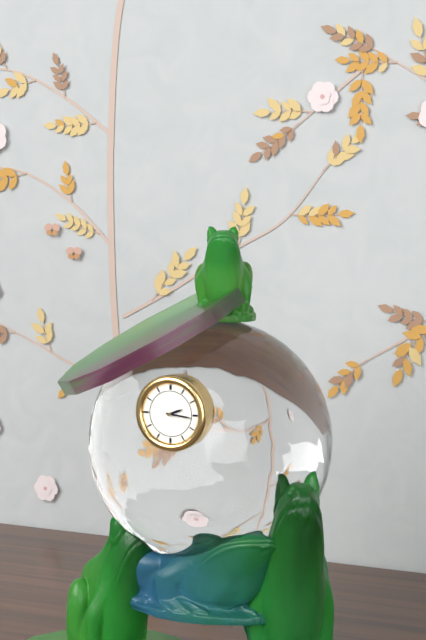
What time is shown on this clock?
2:16
